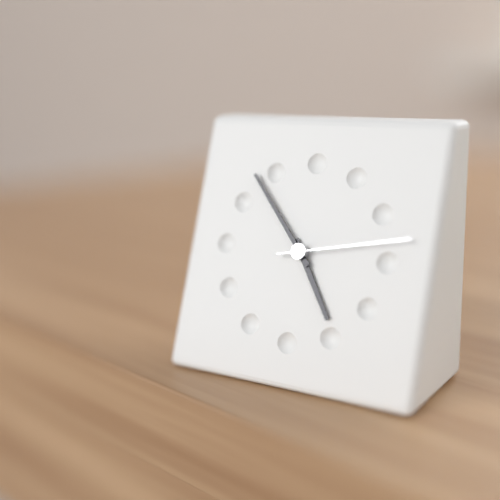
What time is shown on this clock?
4:53:13
